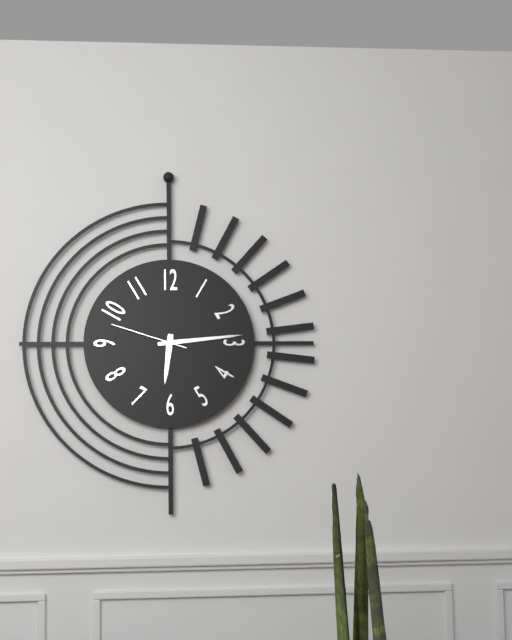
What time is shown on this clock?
6:14:48
